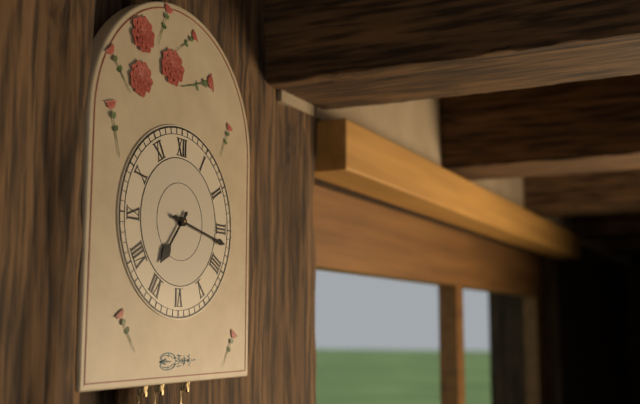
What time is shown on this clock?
7:17
